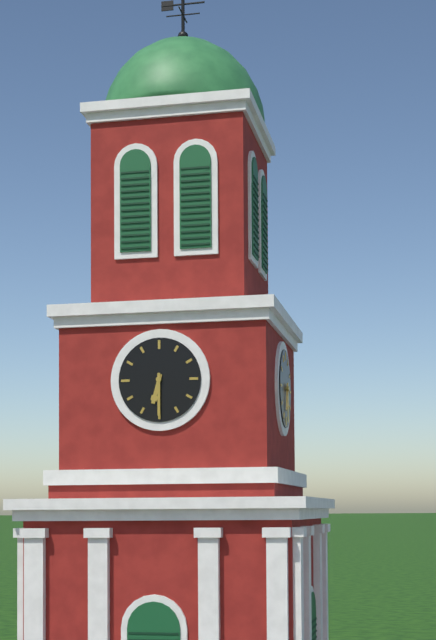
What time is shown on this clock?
6:30
